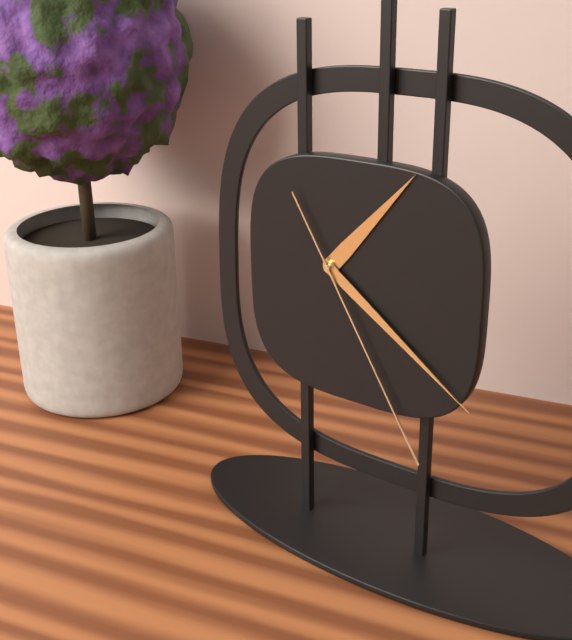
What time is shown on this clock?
1:21:25
